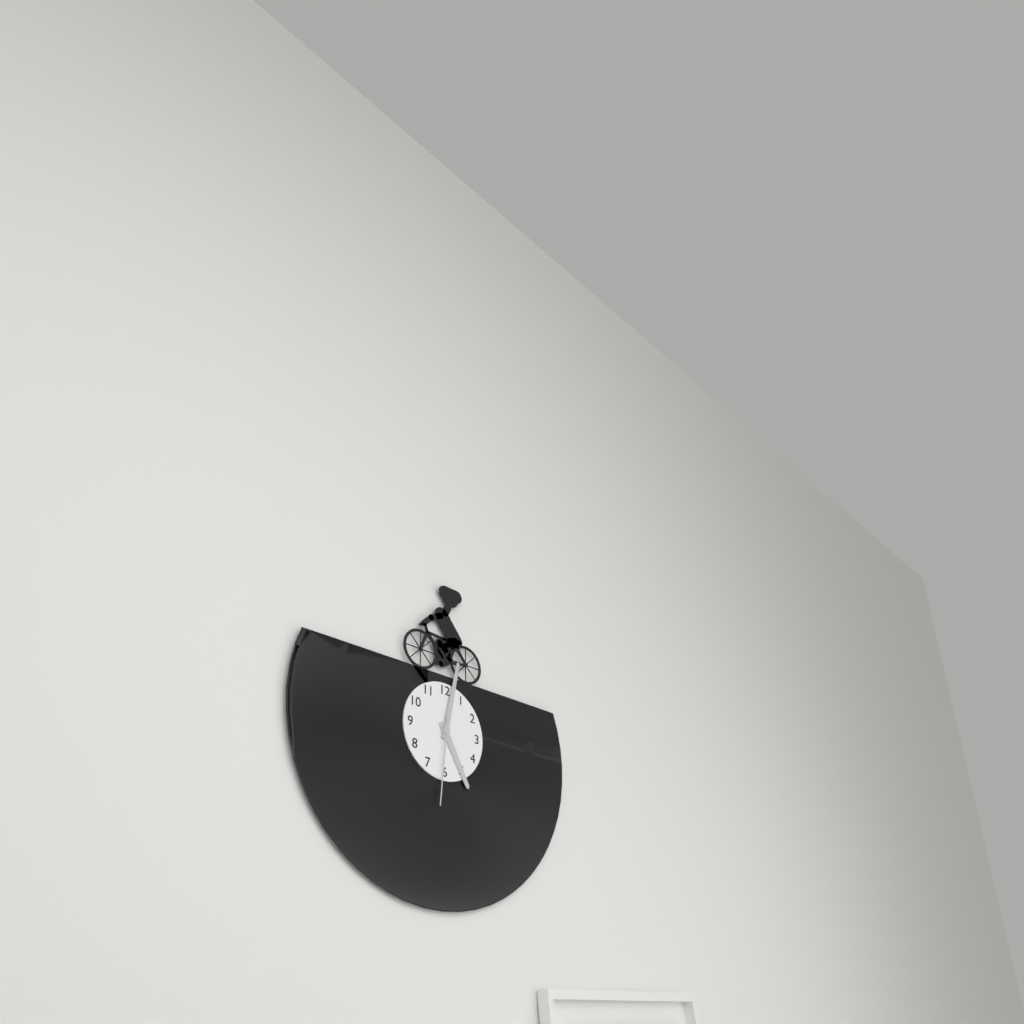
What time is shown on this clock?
5:02:31
